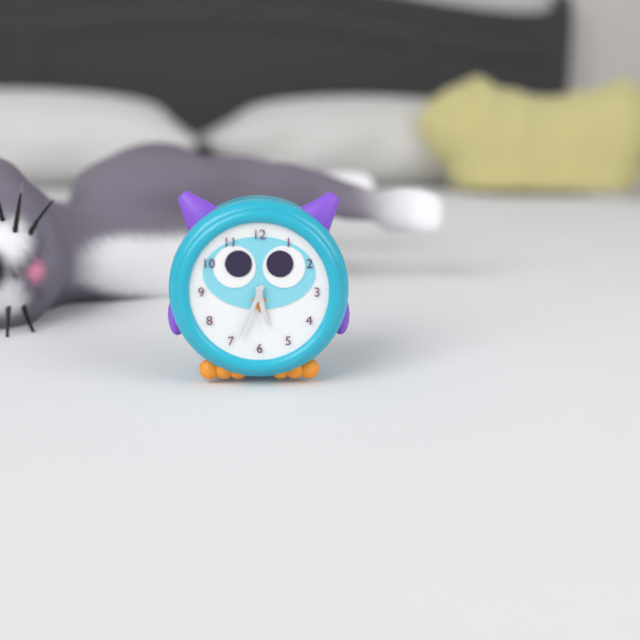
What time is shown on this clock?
5:34
